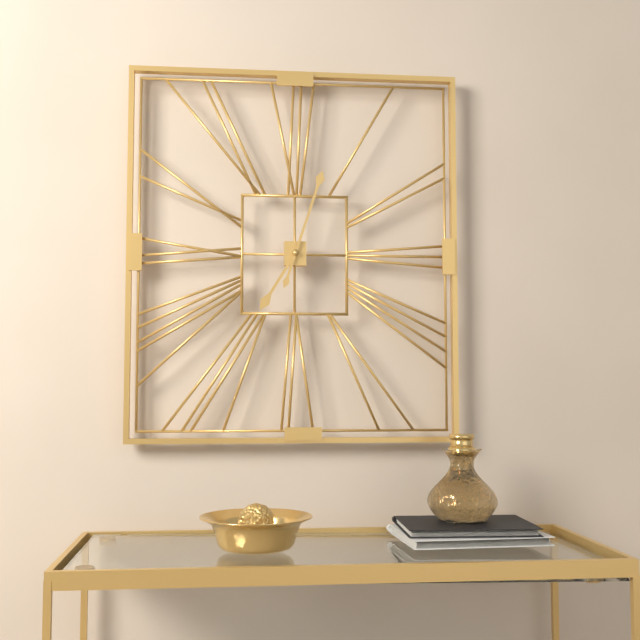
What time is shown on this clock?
7:03
